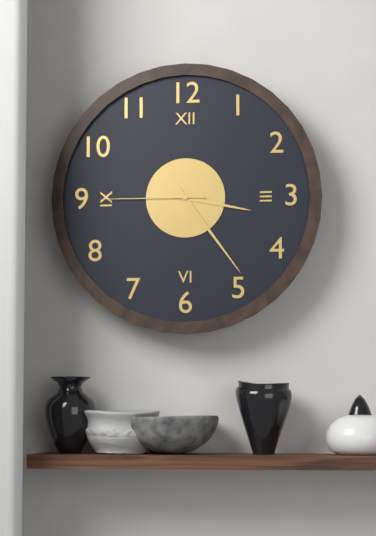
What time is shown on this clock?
3:24:45
